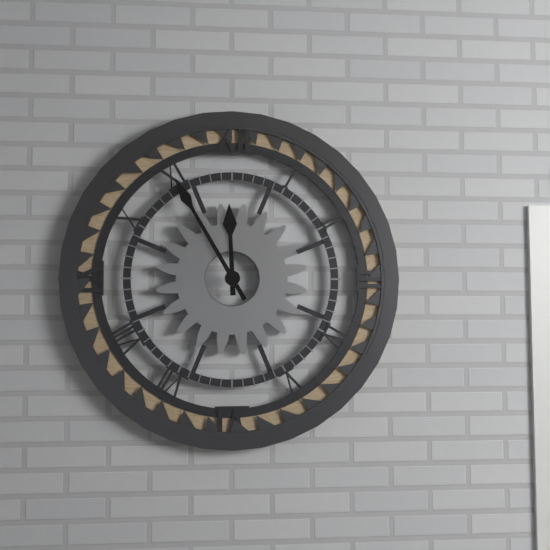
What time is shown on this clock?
11:55
